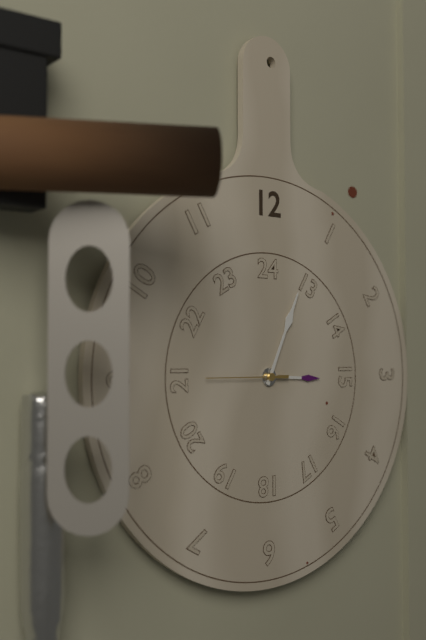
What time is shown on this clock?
3:04:45
